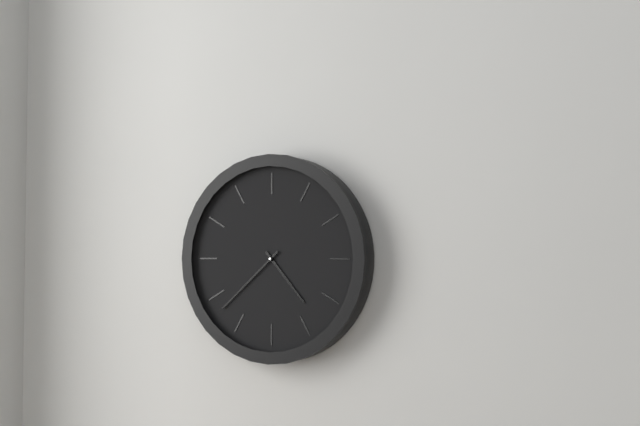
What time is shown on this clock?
4:38
